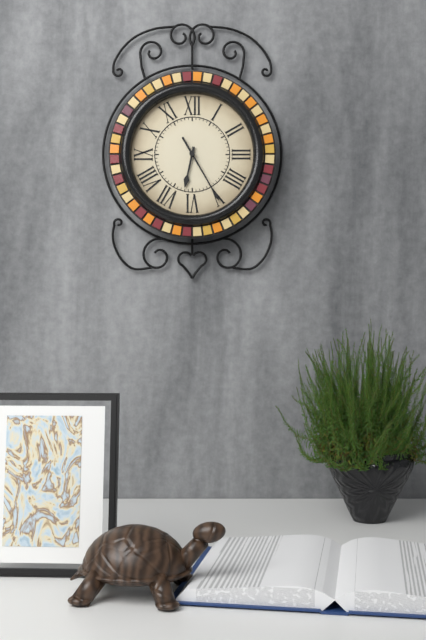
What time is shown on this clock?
6:25
